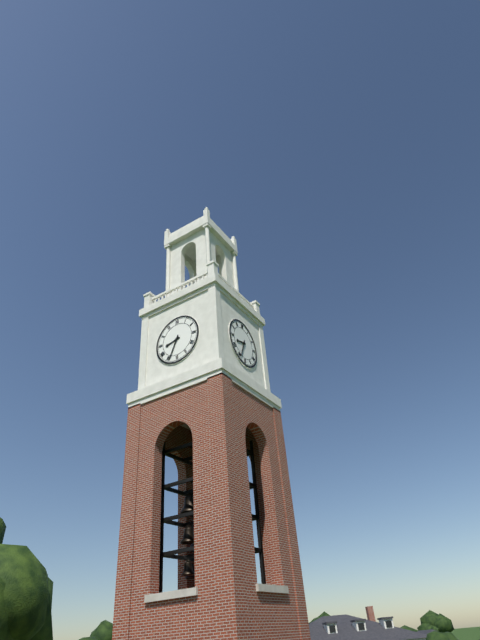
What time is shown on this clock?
8:34
